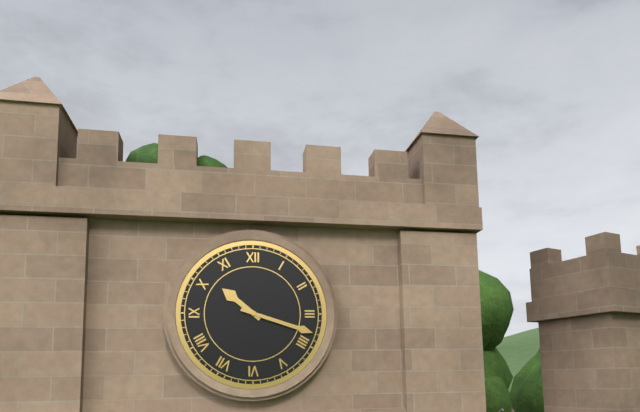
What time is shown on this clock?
10:18
